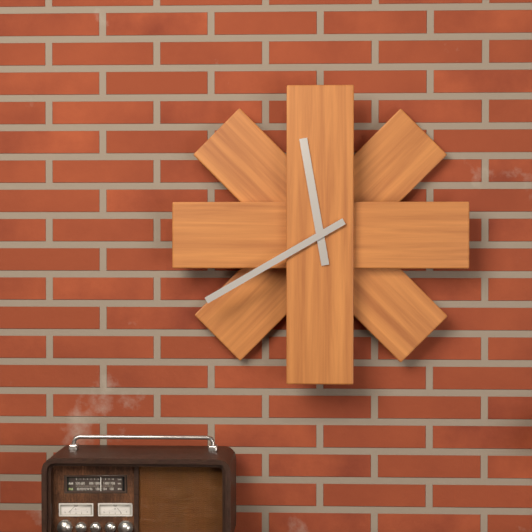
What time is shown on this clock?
11:40
